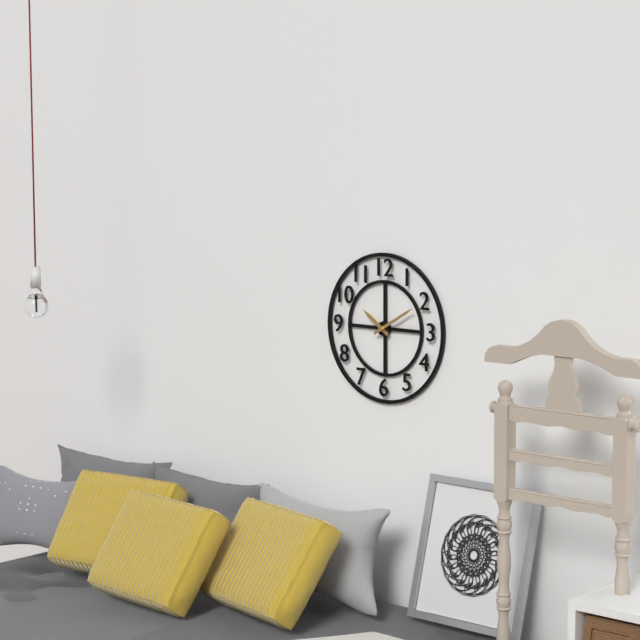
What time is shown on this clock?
10:10
